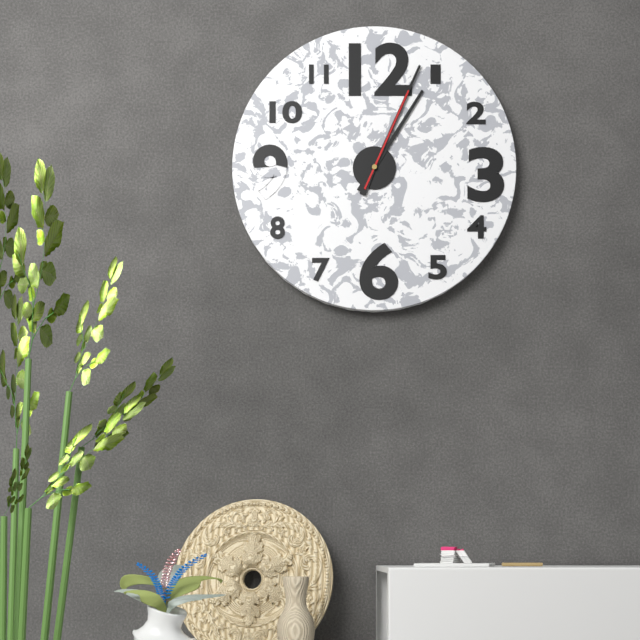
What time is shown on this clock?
1:04:04
